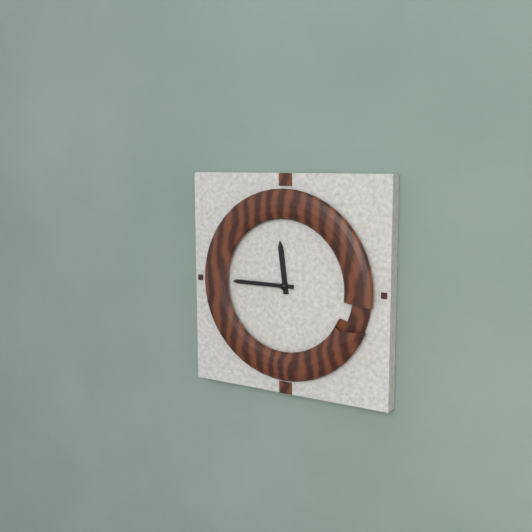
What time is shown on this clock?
11:45
